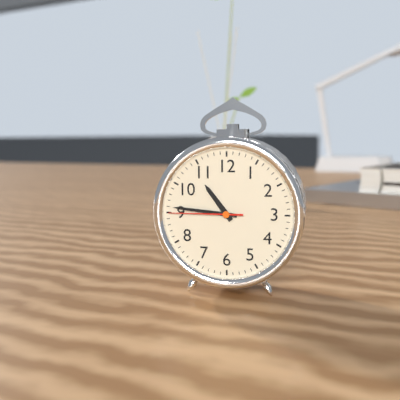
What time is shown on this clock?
10:46:45
